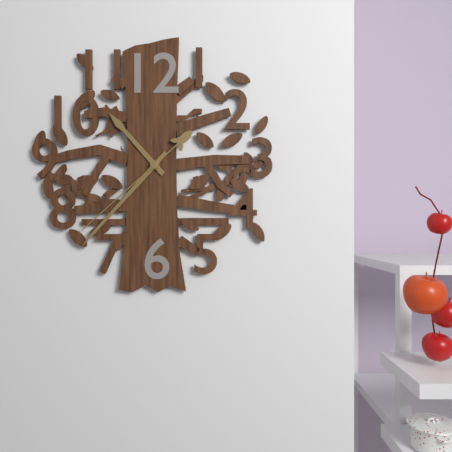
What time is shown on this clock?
10:37:38
